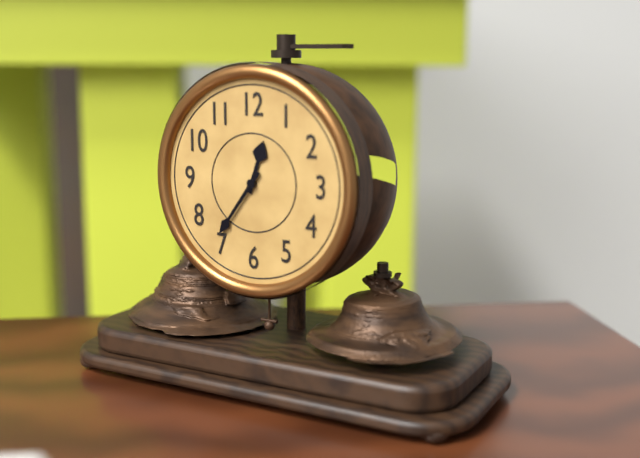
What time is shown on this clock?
12:36
